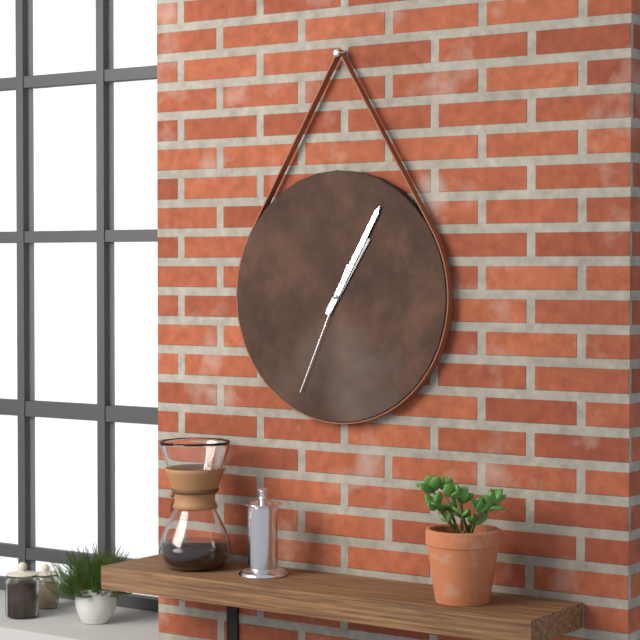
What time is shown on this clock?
1:05:34
